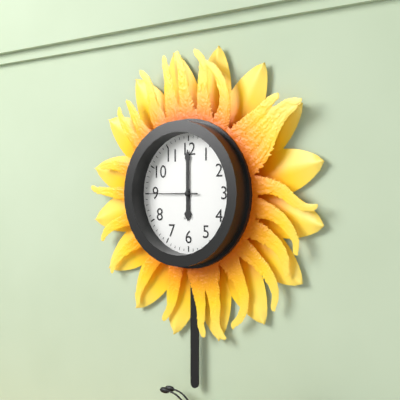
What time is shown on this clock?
6:00
